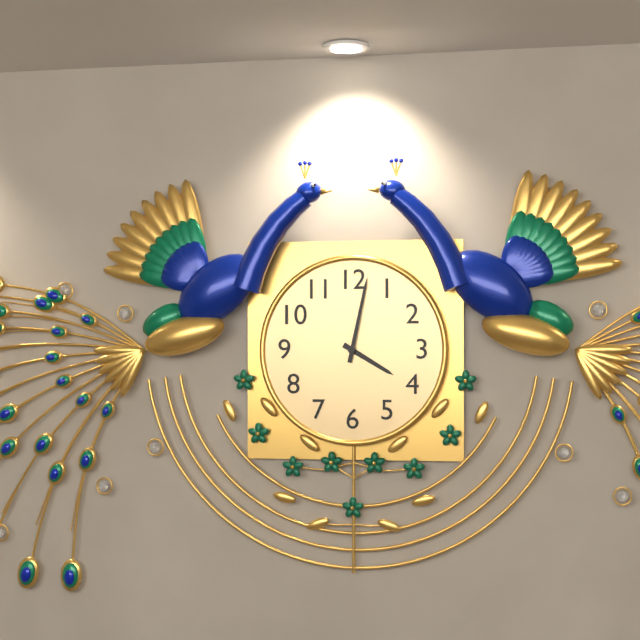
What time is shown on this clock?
4:02
